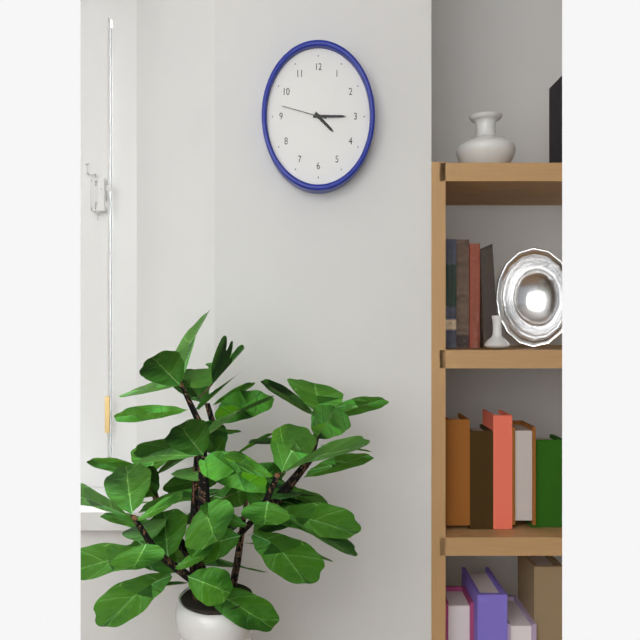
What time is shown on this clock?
4:15
